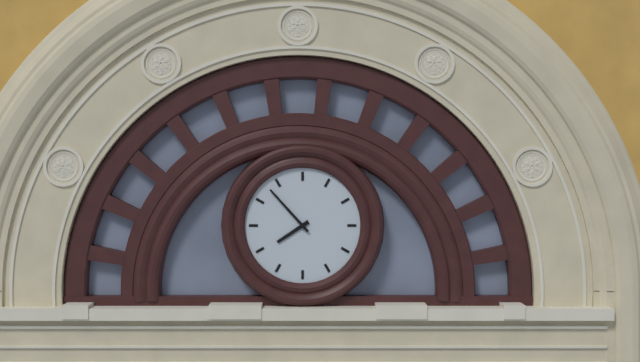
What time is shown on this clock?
7:53
